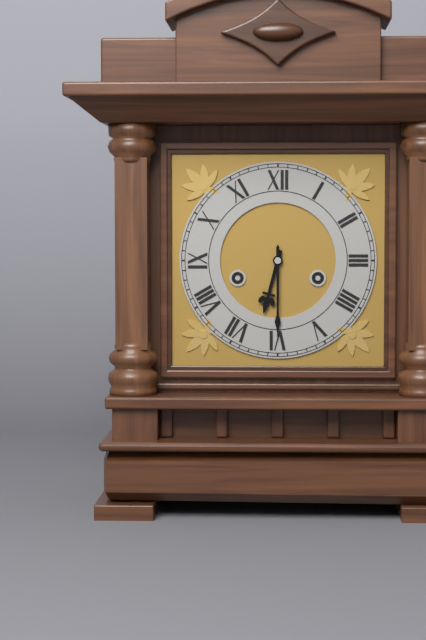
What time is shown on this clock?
6:30
